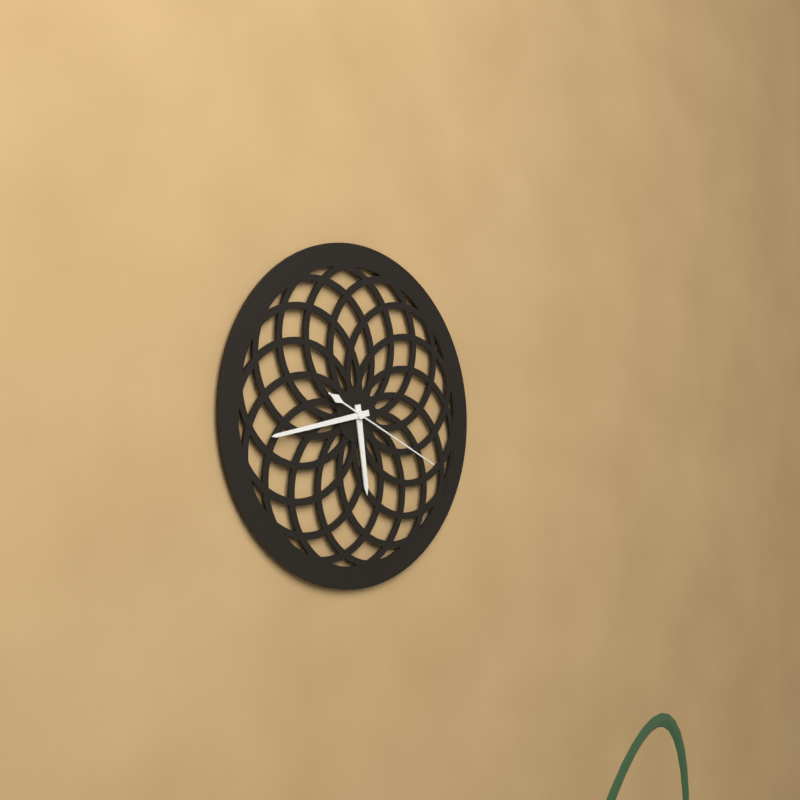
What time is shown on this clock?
5:43:19
